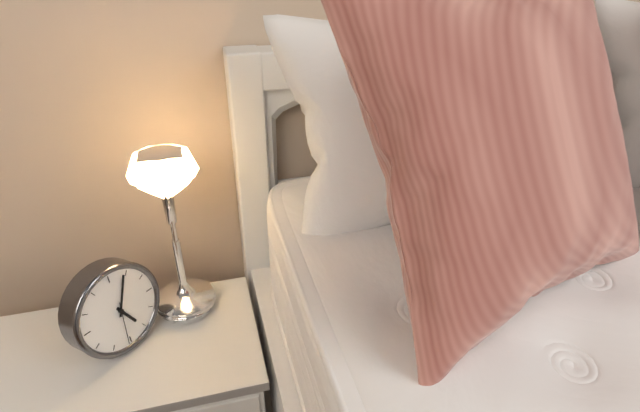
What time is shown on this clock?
5:04
